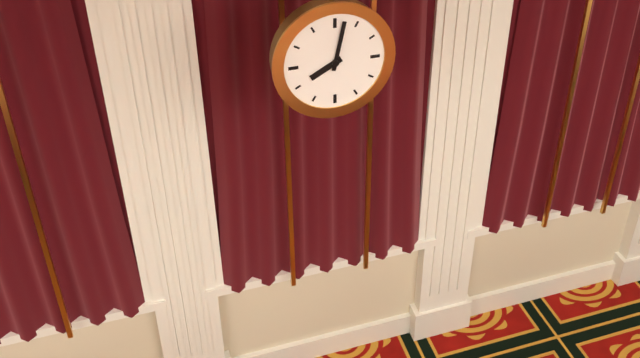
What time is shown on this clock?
8:02
